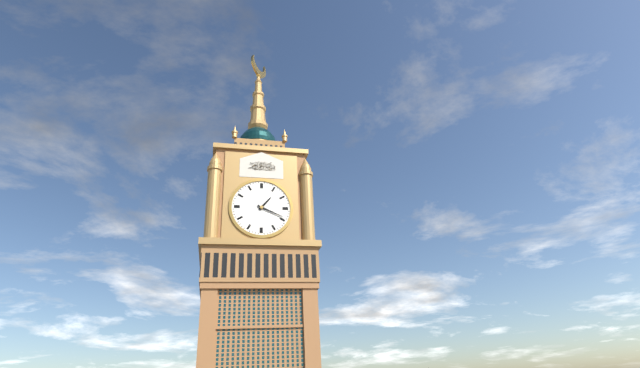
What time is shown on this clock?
1:19
